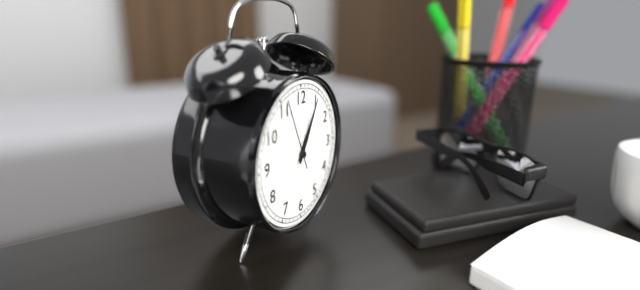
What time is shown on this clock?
1:05:56
